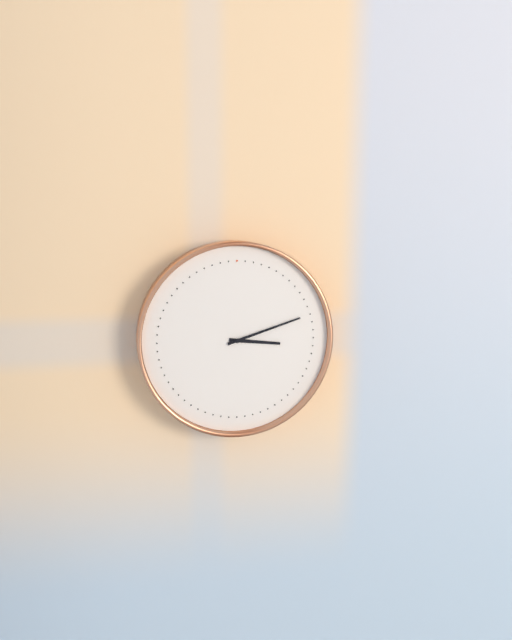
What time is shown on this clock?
3:12
